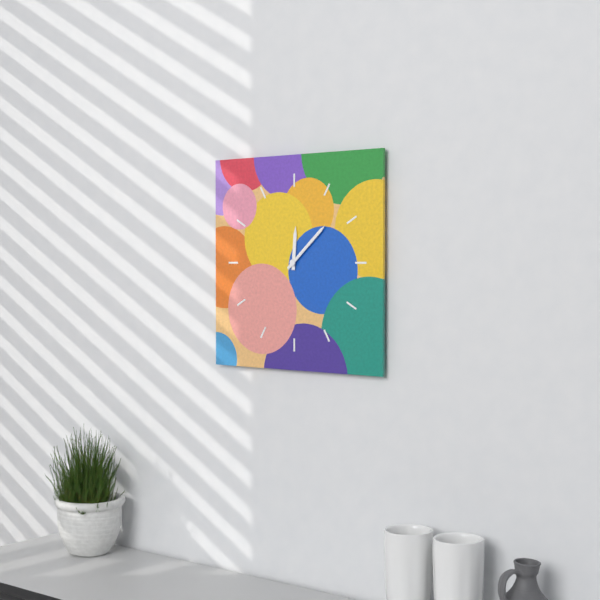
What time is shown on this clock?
12:08
